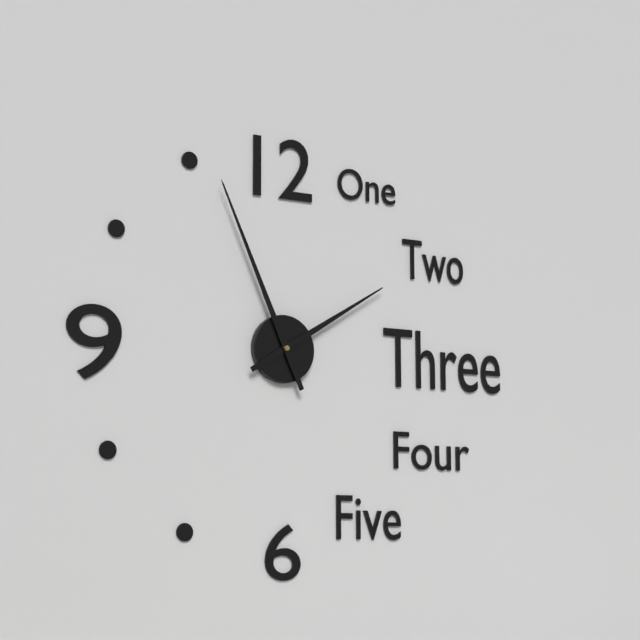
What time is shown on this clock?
1:56
